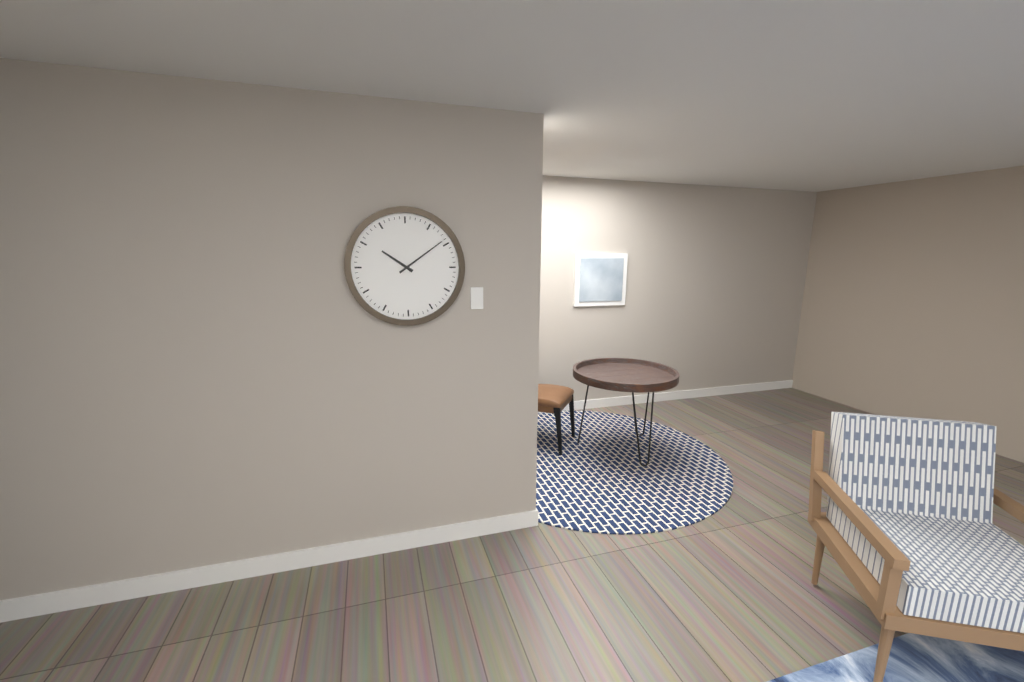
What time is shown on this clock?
10:09
